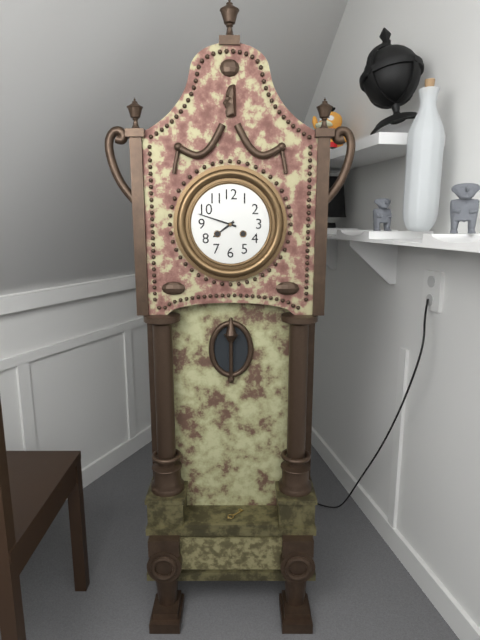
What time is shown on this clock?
7:48
